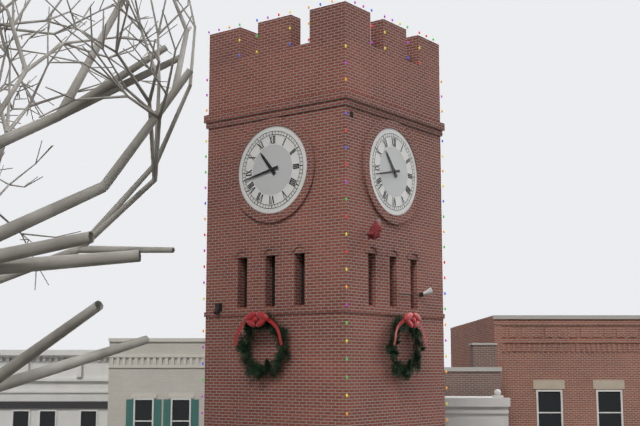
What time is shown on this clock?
10:43
